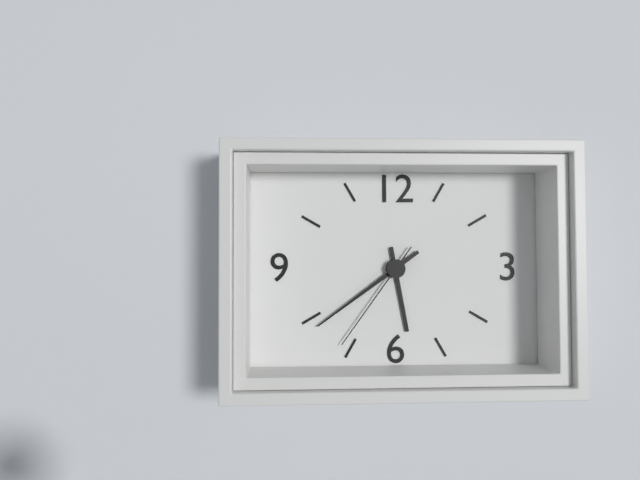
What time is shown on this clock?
5:39:36
